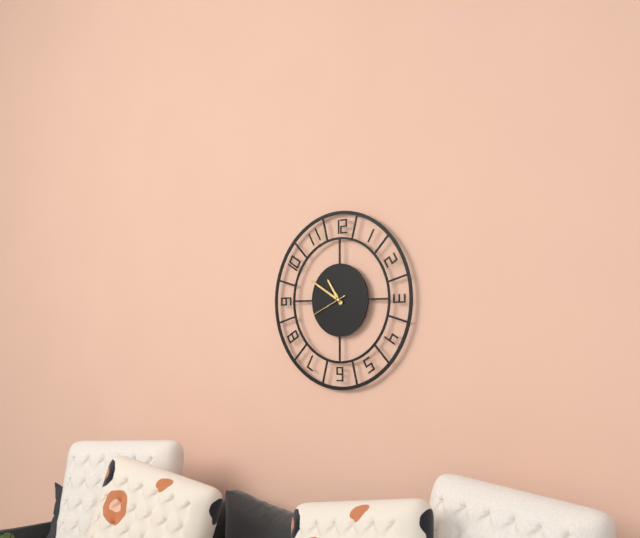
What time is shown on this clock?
10:50
